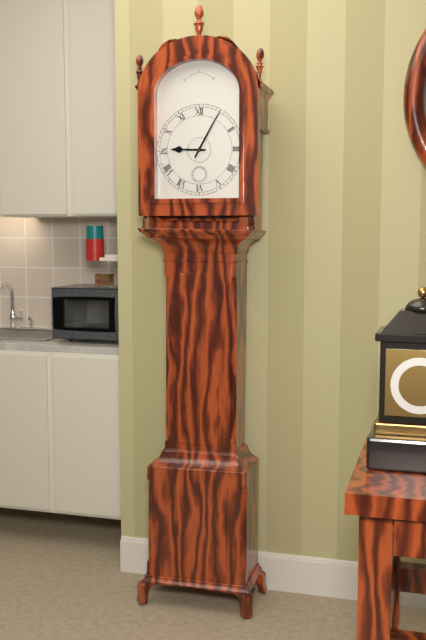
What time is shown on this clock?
9:05
